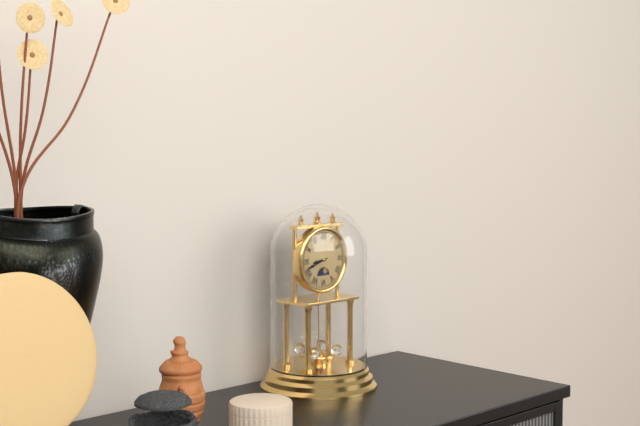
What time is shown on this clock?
8:42
